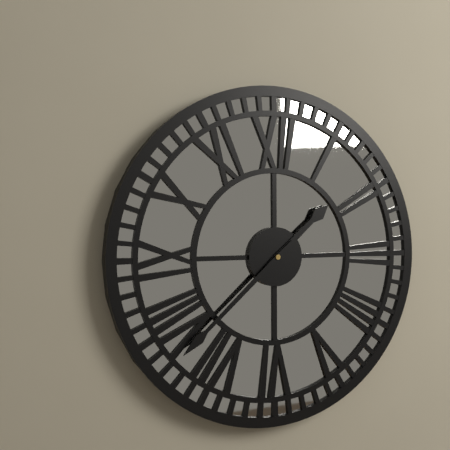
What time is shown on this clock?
1:38
